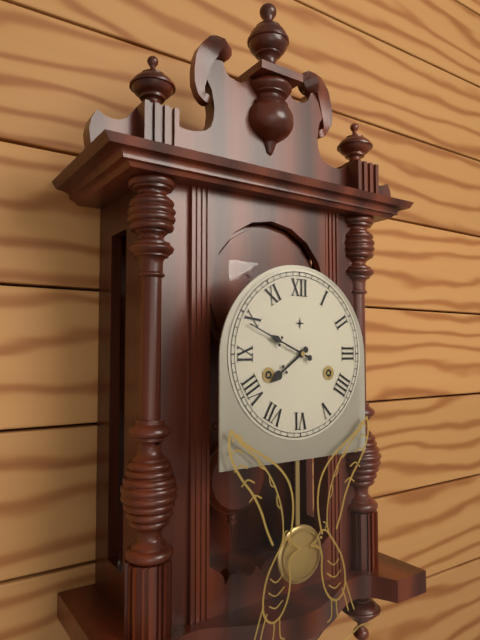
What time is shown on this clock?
7:49
